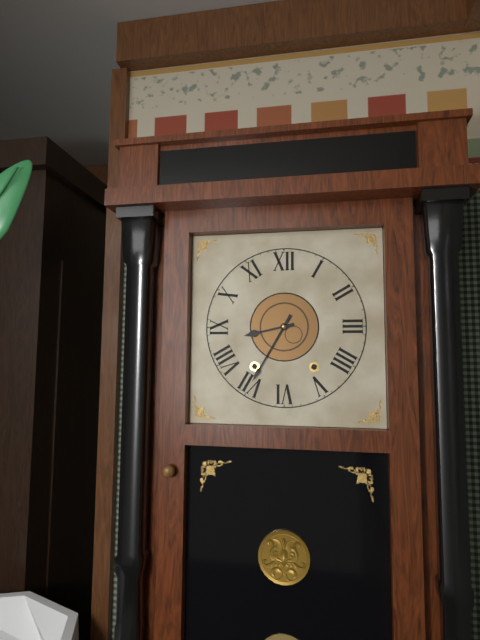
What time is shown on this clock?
8:35
